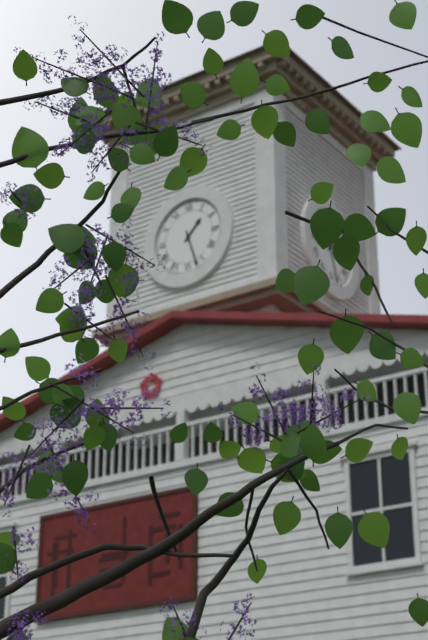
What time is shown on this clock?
1:27
